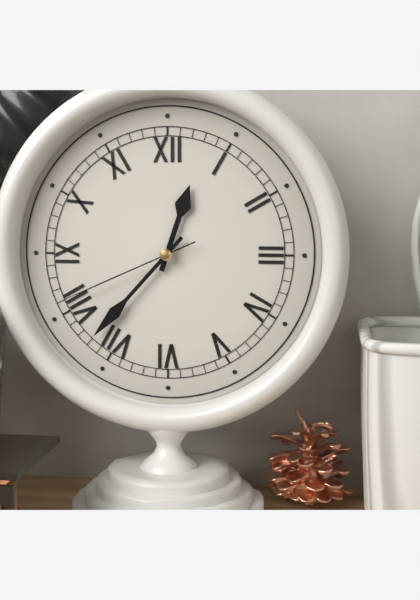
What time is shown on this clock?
12:37:41
